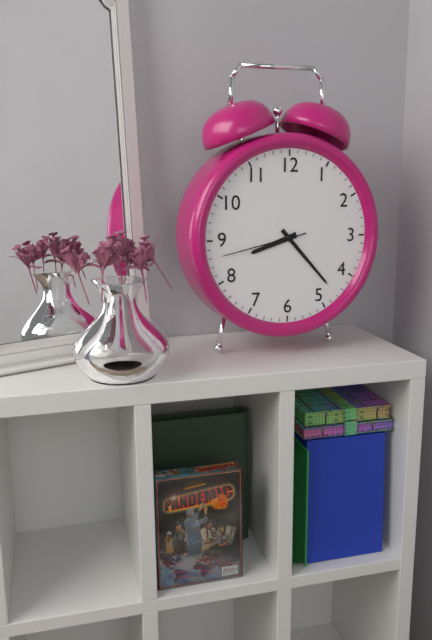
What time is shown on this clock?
8:23:43
